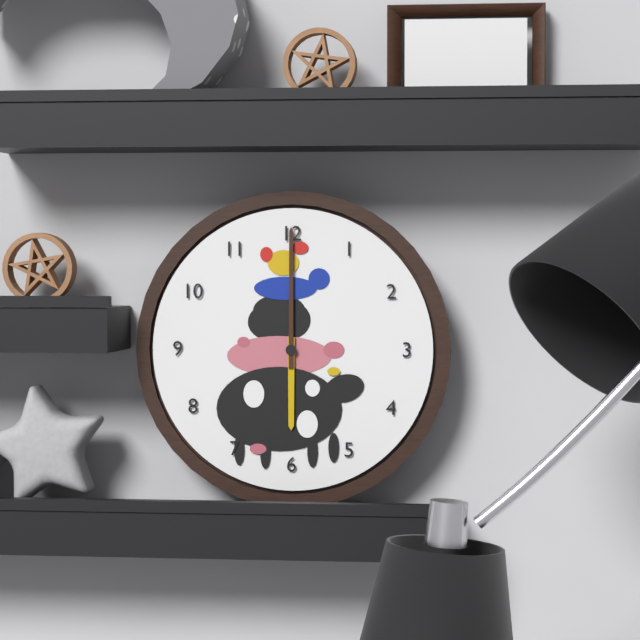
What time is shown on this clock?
6:00
